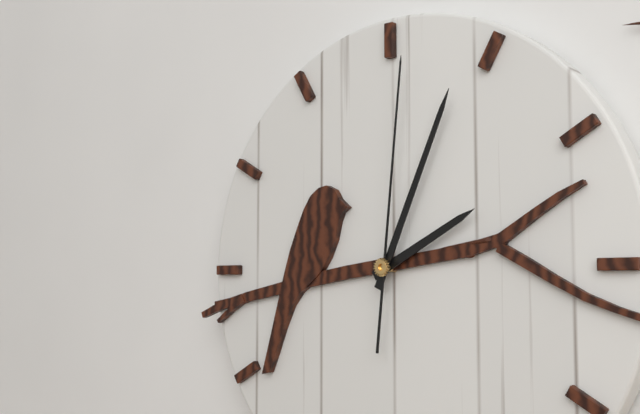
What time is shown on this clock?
2:04:01
